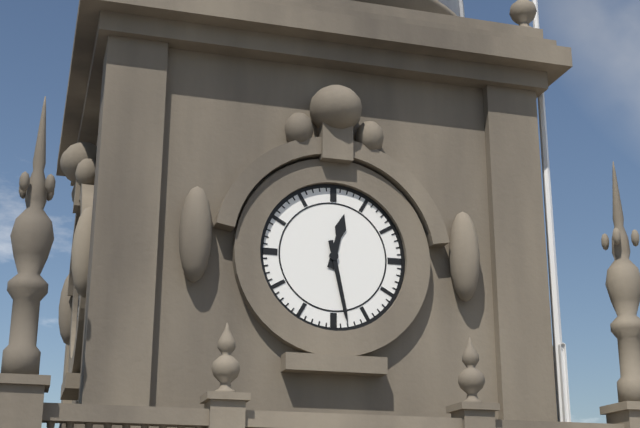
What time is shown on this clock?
12:28
